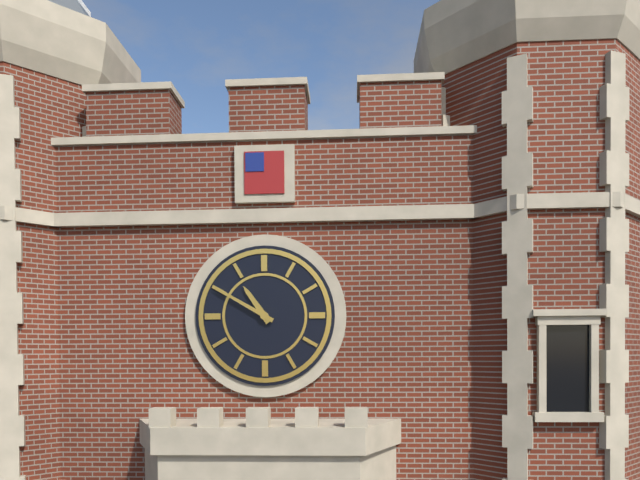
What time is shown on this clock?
10:50
